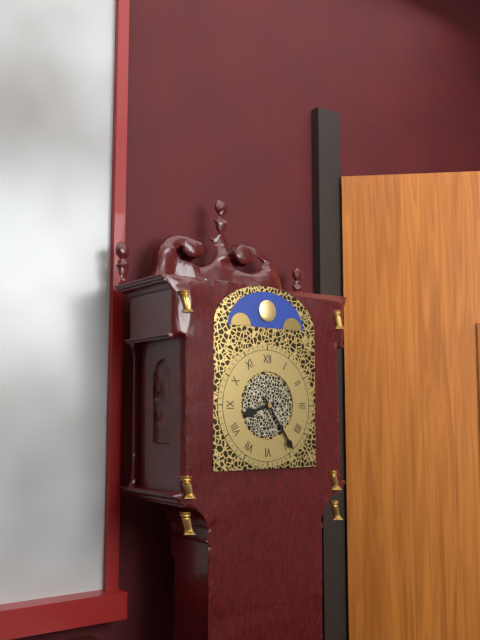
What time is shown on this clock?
8:24
